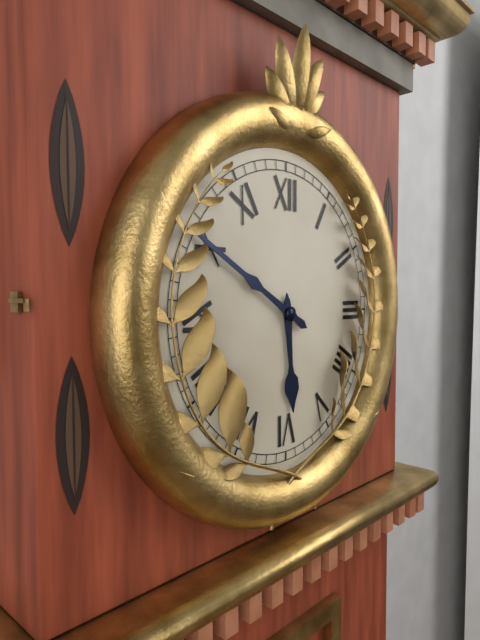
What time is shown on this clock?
5:50
